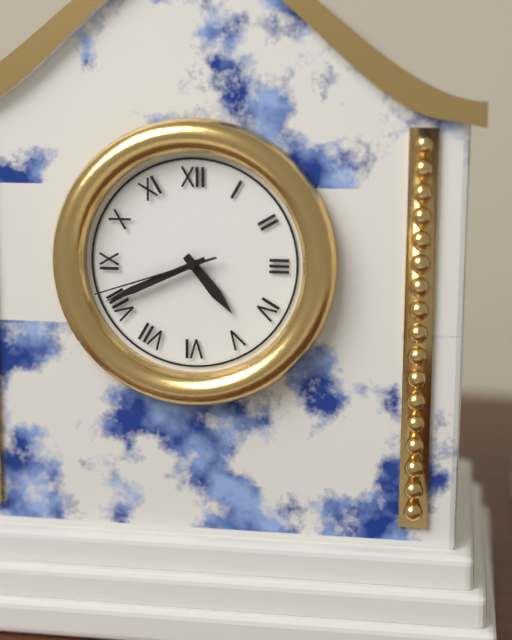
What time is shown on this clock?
4:41:42
